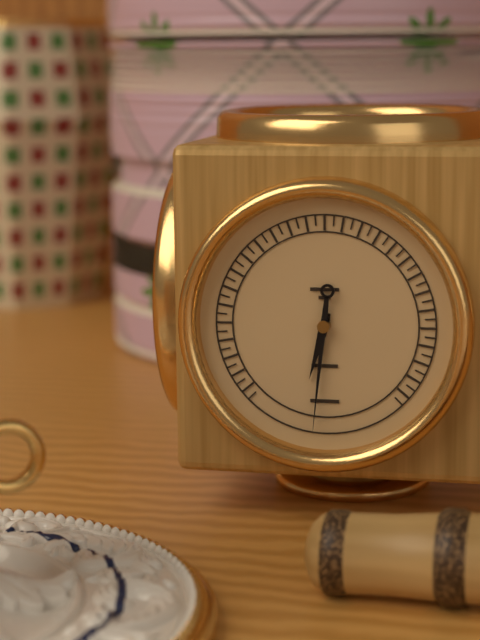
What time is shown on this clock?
6:31
